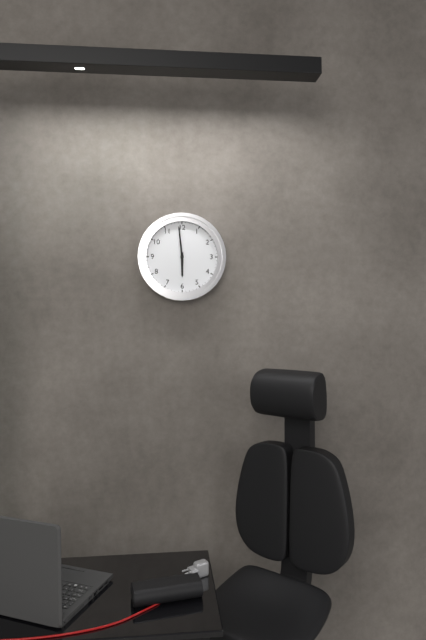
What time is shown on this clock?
5:59
